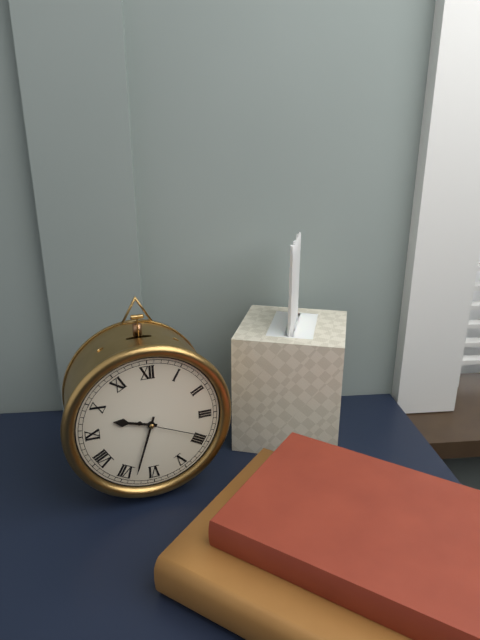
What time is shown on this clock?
9:33:19
